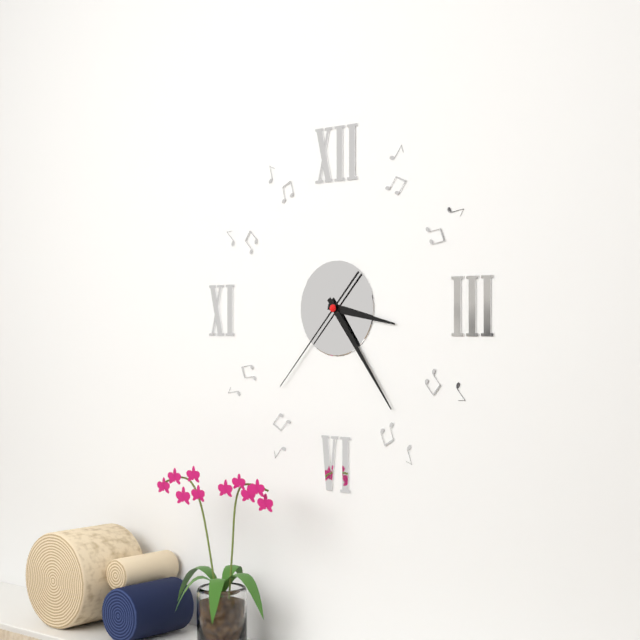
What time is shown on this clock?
3:24:37
